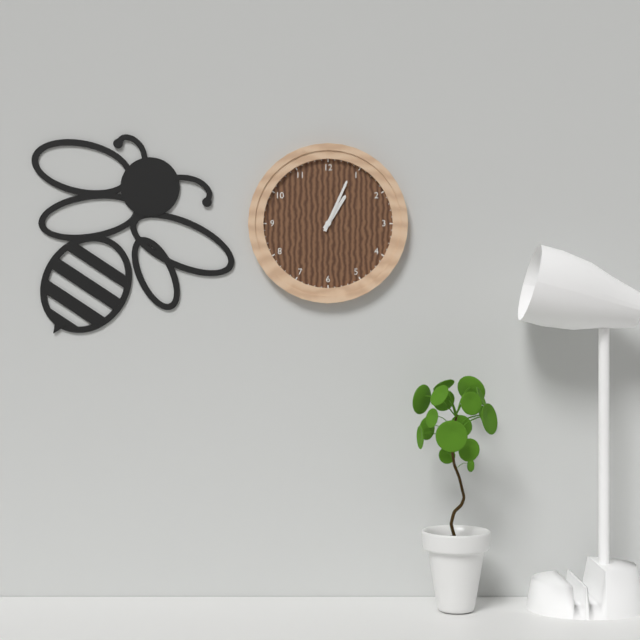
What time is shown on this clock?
1:04
